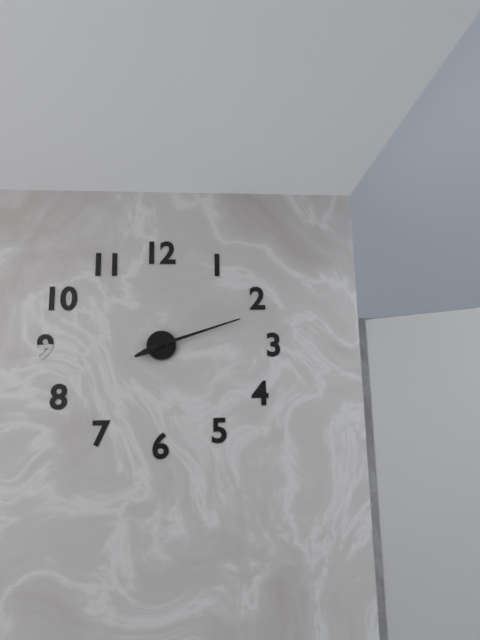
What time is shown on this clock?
8:12
